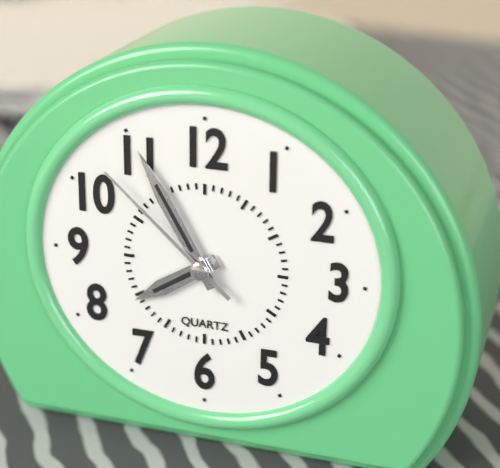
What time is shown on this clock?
7:55:52
